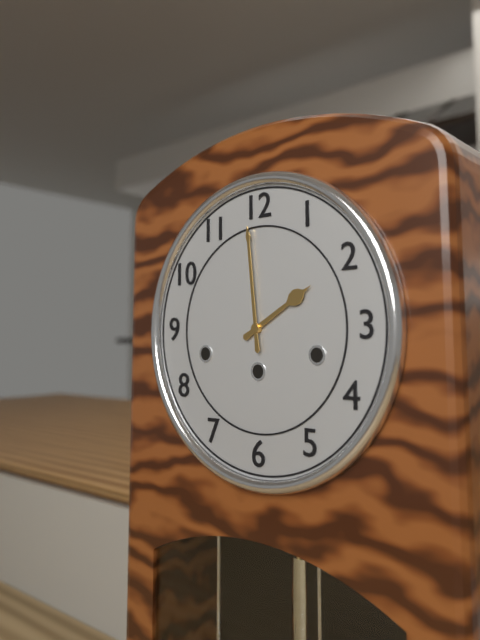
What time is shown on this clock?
1:59
